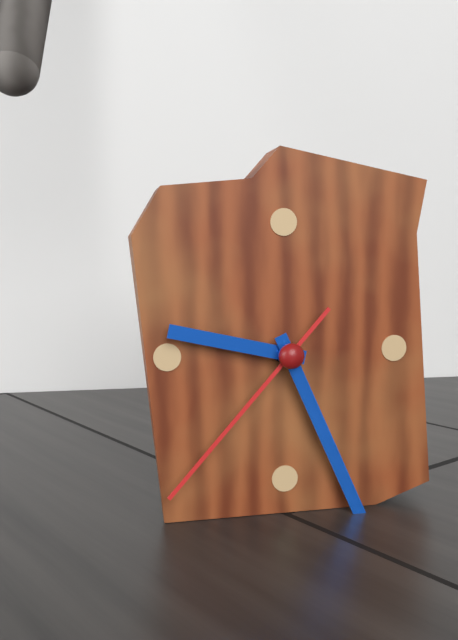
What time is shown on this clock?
9:26:37
